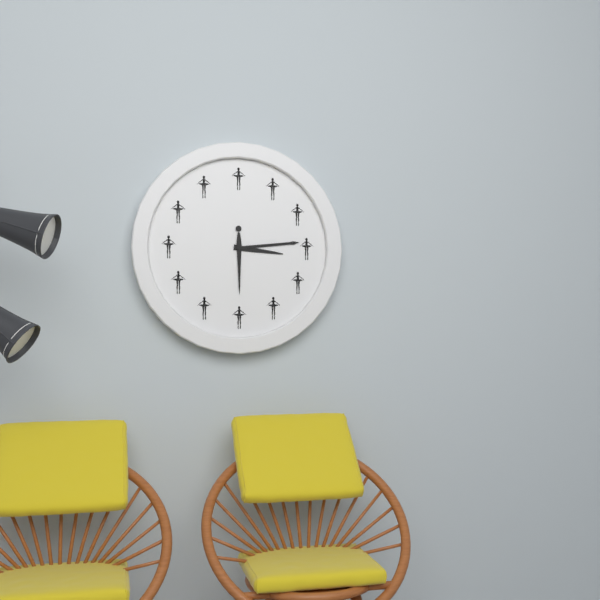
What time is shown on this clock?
3:14
